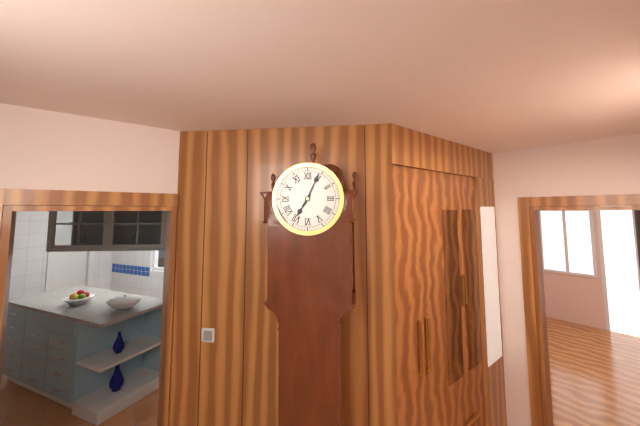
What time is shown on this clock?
7:04
